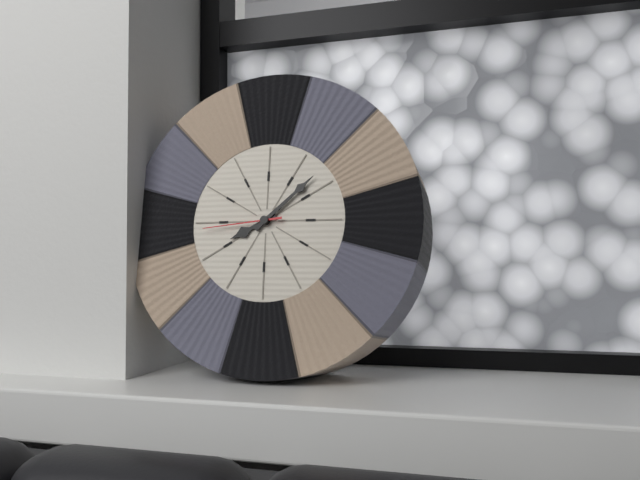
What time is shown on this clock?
8:08:44
